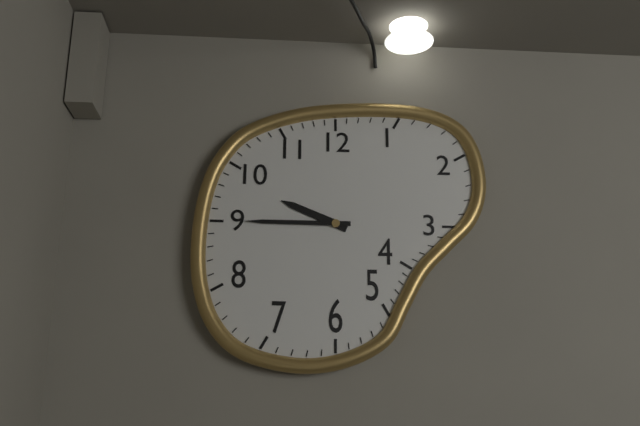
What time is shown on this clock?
9:45
